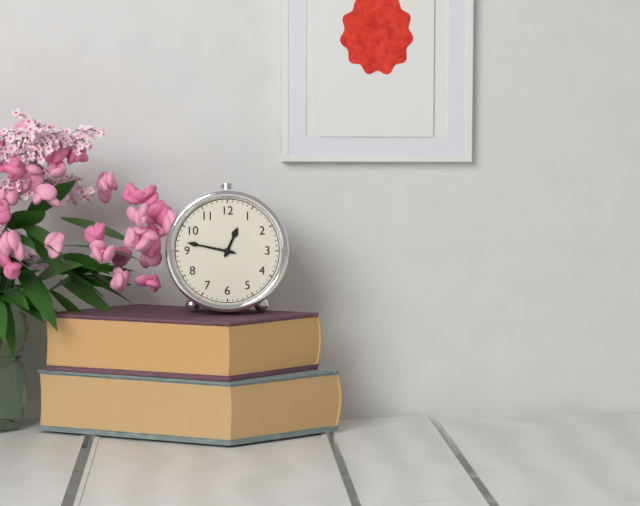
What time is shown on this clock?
12:47
